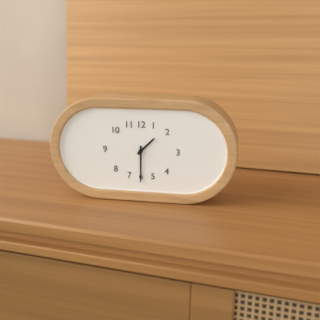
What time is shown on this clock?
1:30
